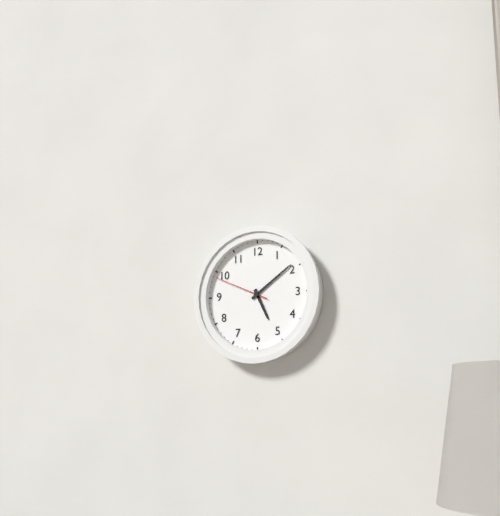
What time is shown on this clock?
5:09:49
